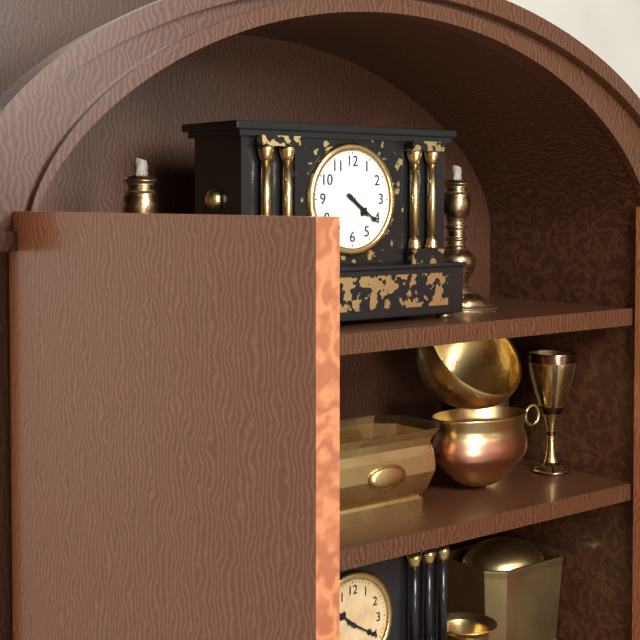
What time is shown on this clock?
4:21
